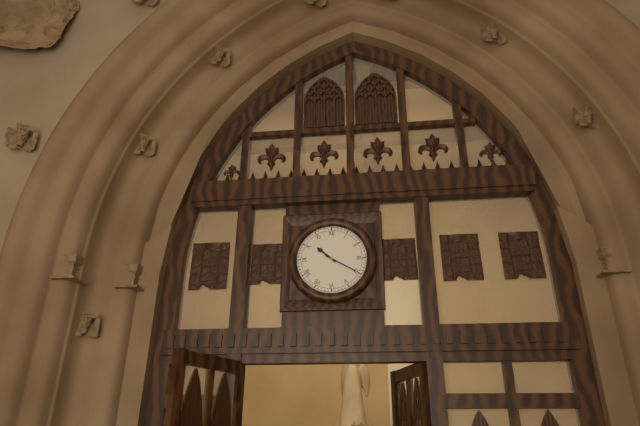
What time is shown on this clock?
10:20
